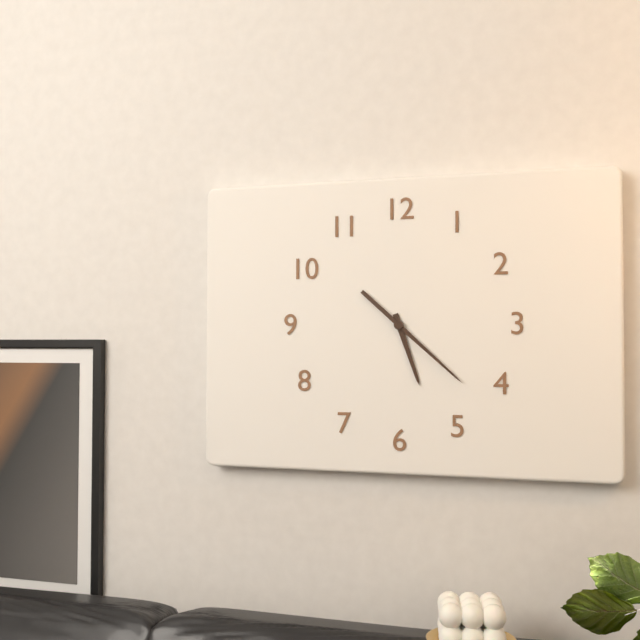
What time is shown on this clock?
5:22
